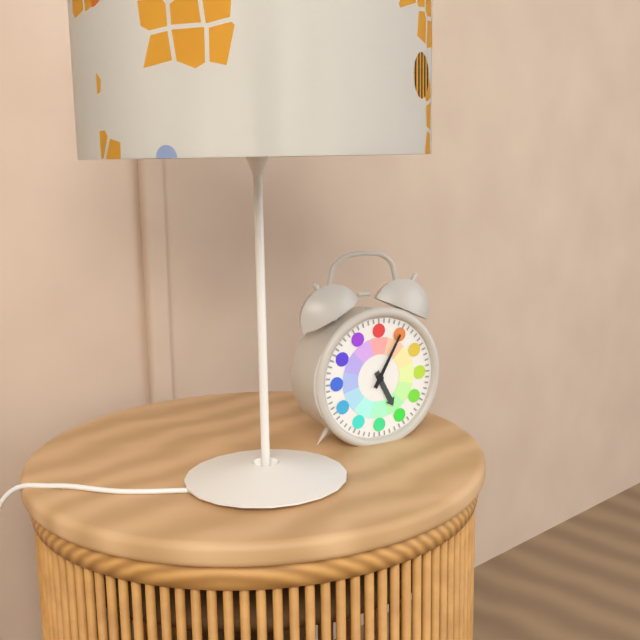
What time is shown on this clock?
5:05
